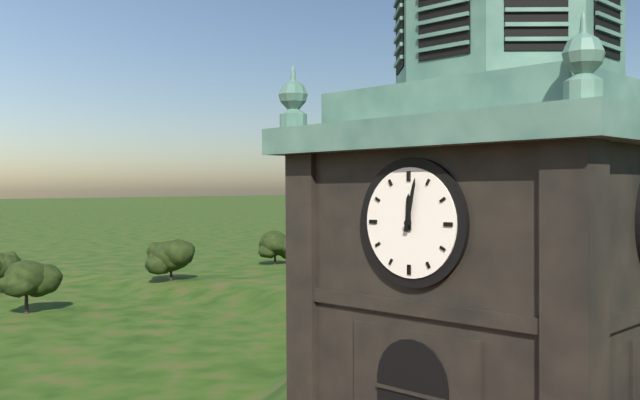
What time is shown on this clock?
12:02
